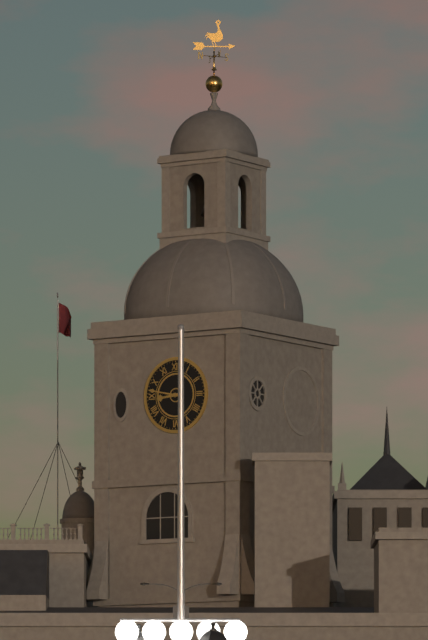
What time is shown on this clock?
8:47
